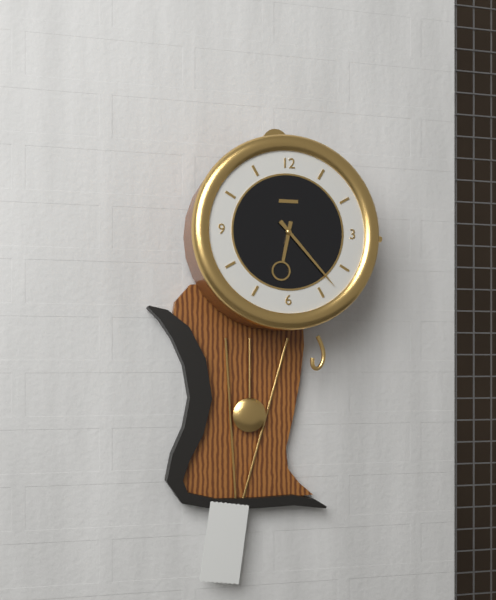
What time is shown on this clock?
6:23
